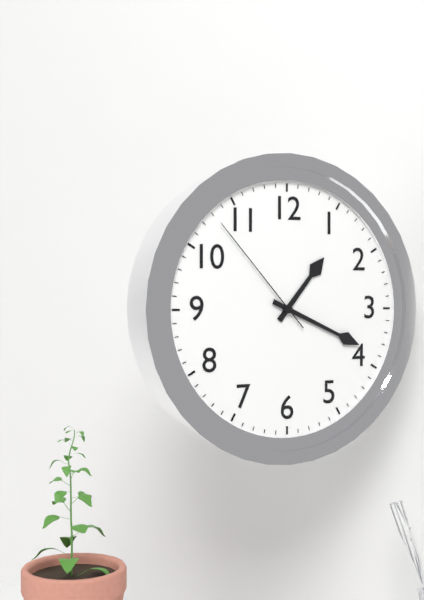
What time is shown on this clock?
1:19:53
